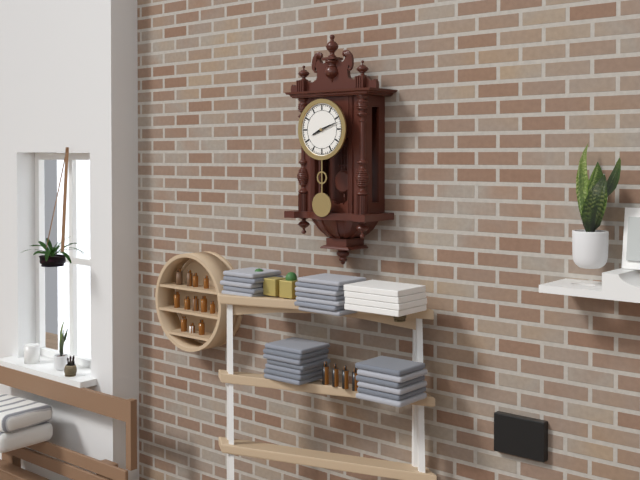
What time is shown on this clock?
8:12
